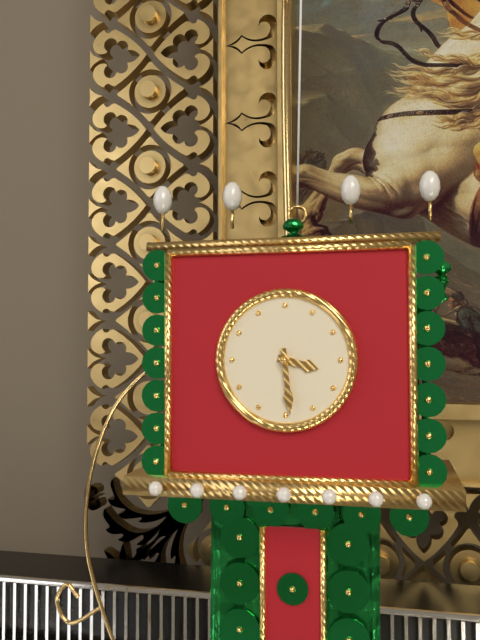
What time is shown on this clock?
3:29
